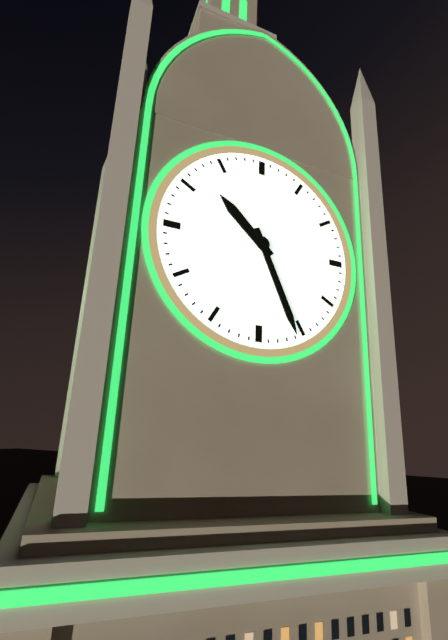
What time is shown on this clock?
10:26
